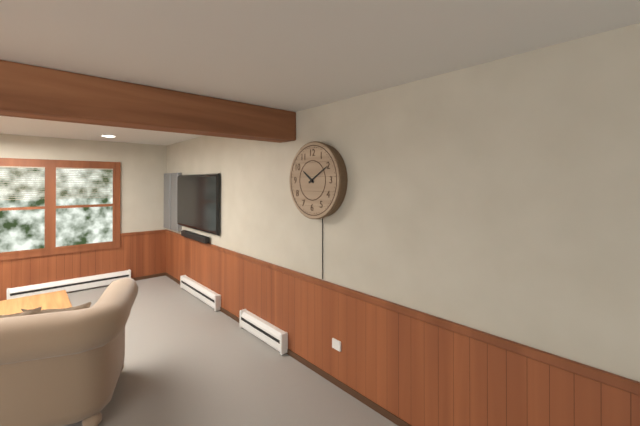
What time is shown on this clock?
10:10
